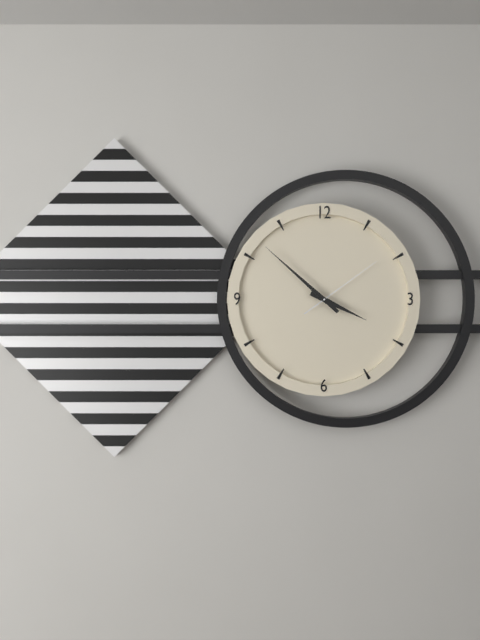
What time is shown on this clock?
3:52:09
